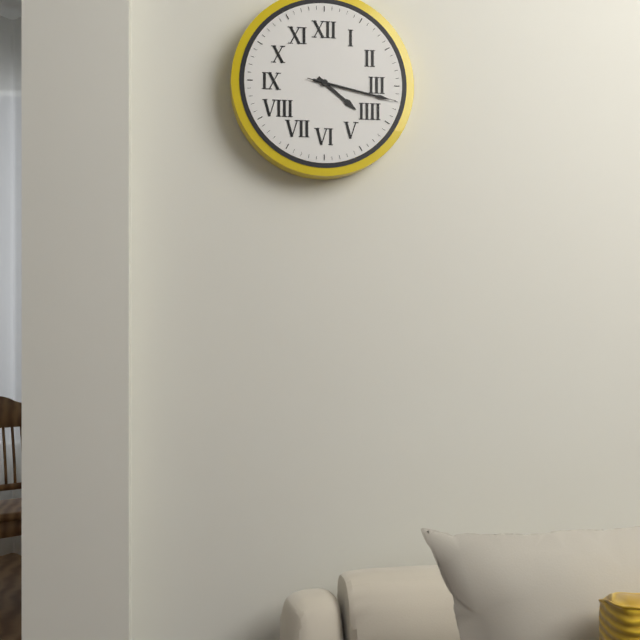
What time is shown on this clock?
4:17:17
